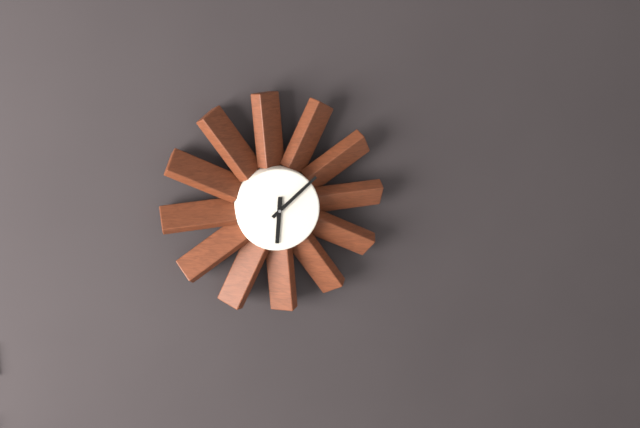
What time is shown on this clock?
6:08
